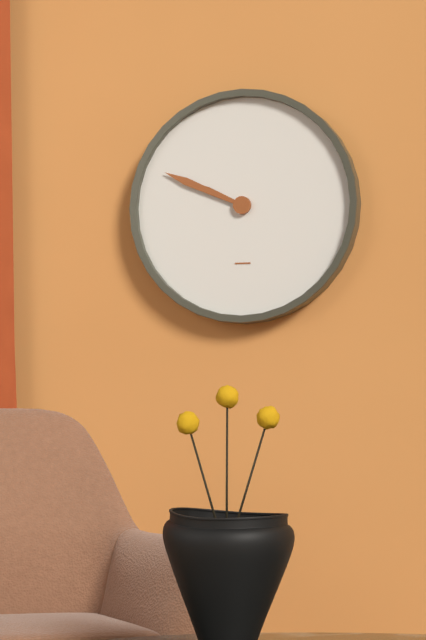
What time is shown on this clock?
9:49
